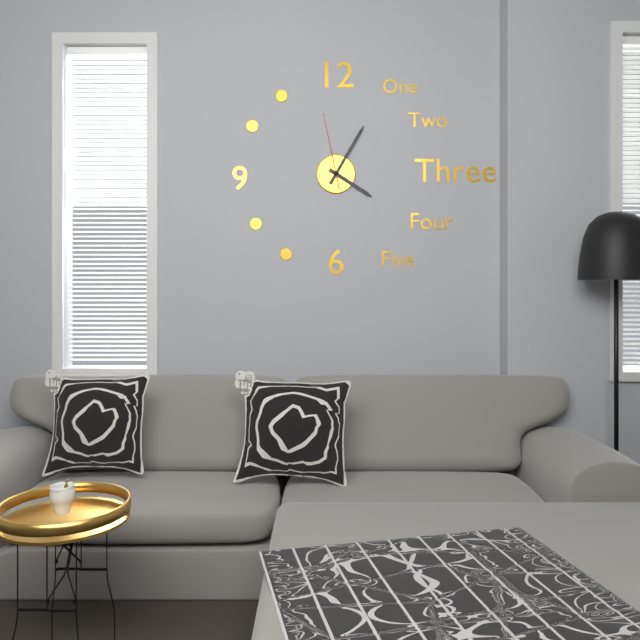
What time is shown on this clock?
4:05:58
